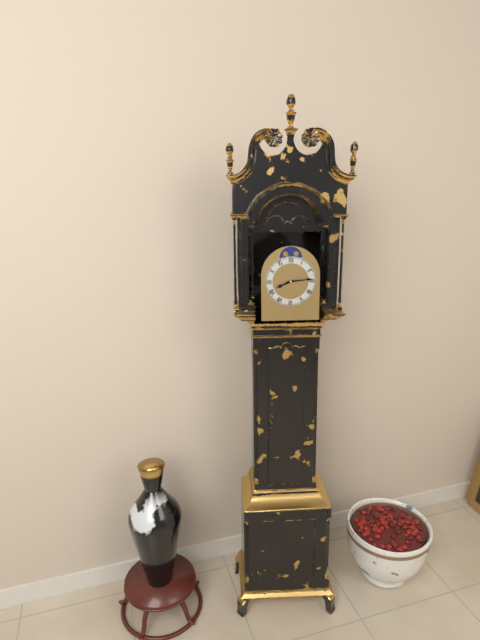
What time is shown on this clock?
8:14
